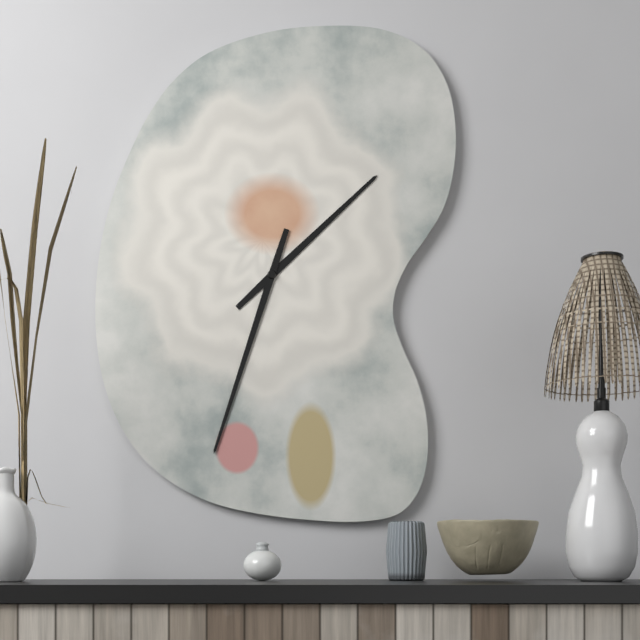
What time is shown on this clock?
1:33
